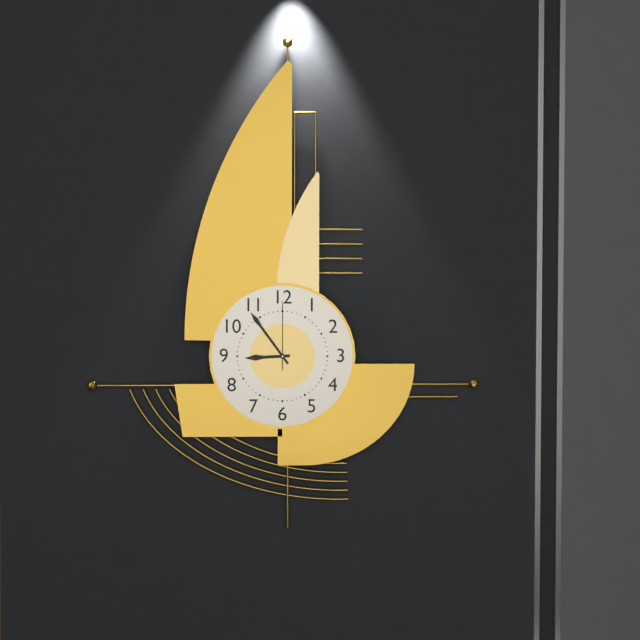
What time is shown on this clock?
8:54:00
